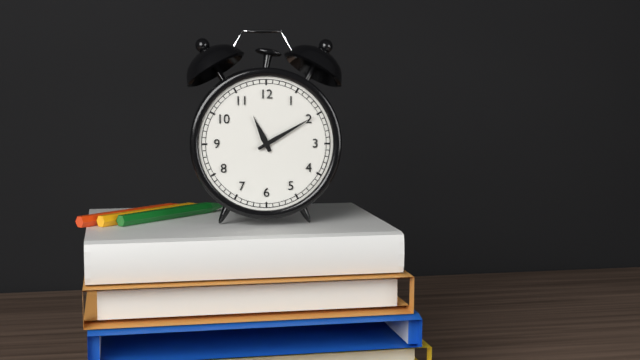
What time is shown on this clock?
11:10
